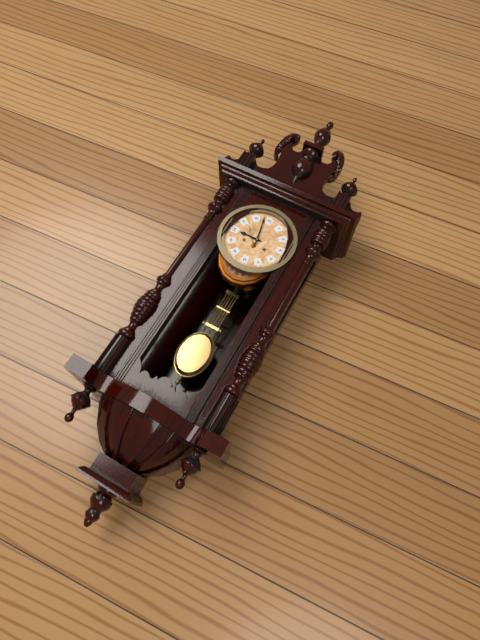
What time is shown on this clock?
8:58
